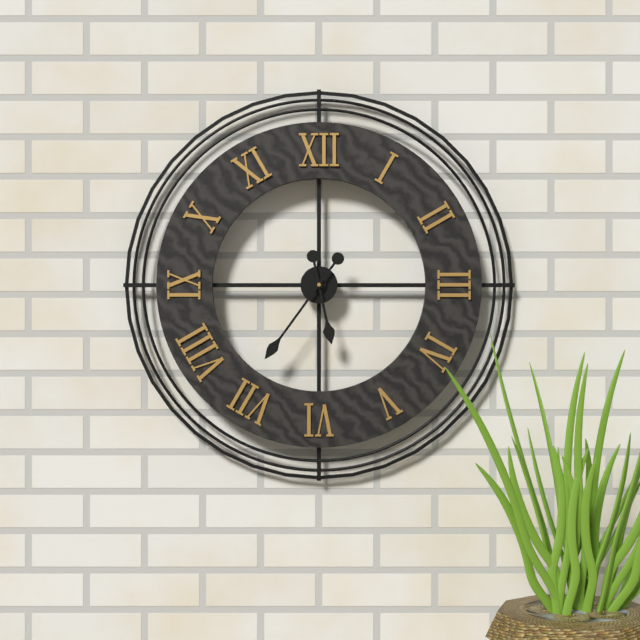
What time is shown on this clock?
5:36
